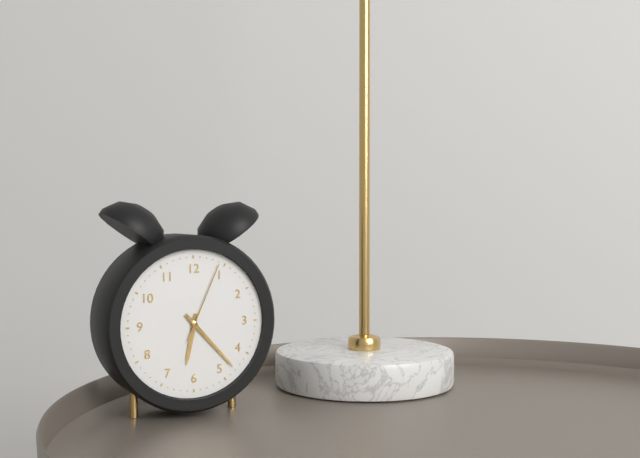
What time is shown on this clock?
6:23:04
